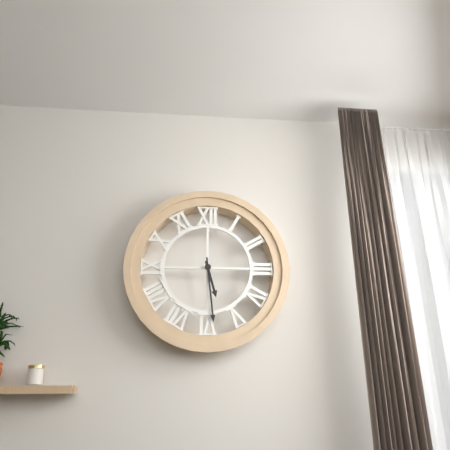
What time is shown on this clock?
5:29
